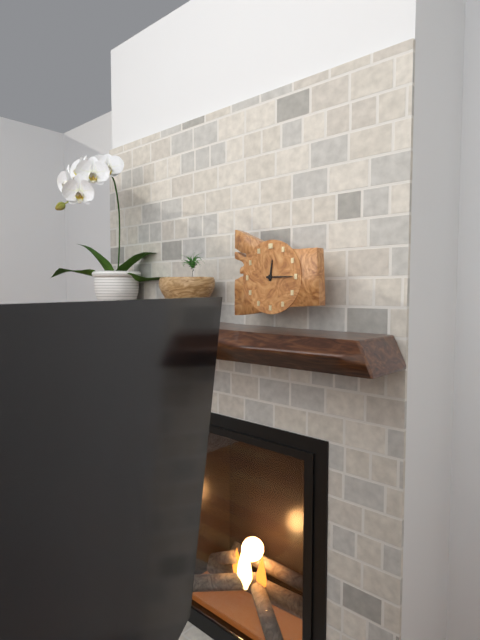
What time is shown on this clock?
12:15
